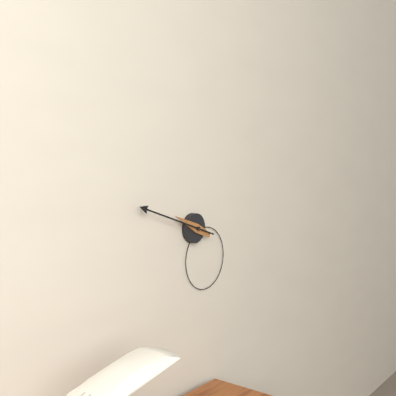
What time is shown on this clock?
9:48
